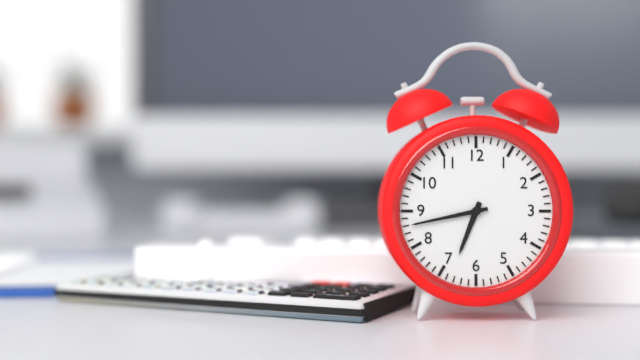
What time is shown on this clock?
6:43
